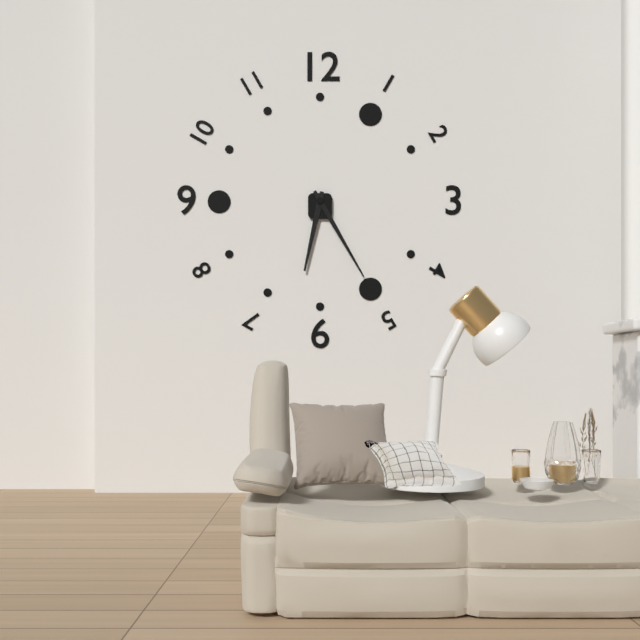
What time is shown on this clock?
6:25
